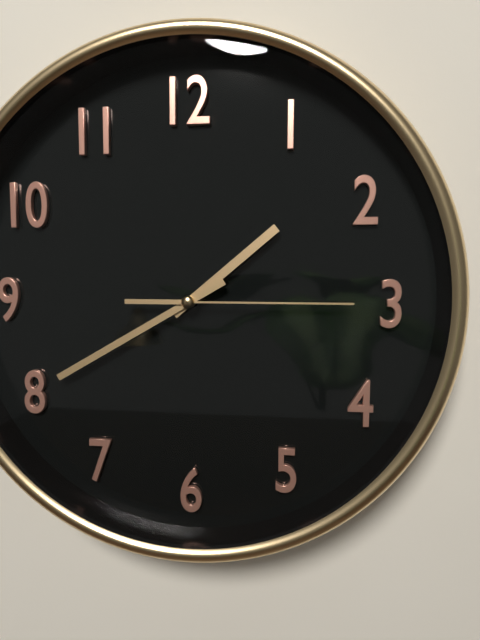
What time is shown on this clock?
1:40:15
